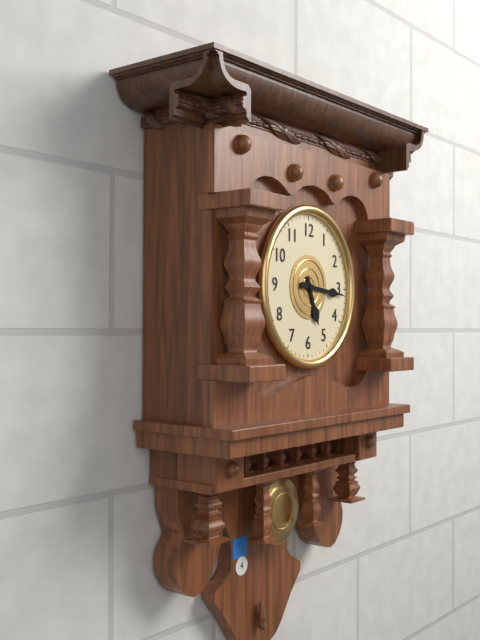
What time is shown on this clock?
5:16
